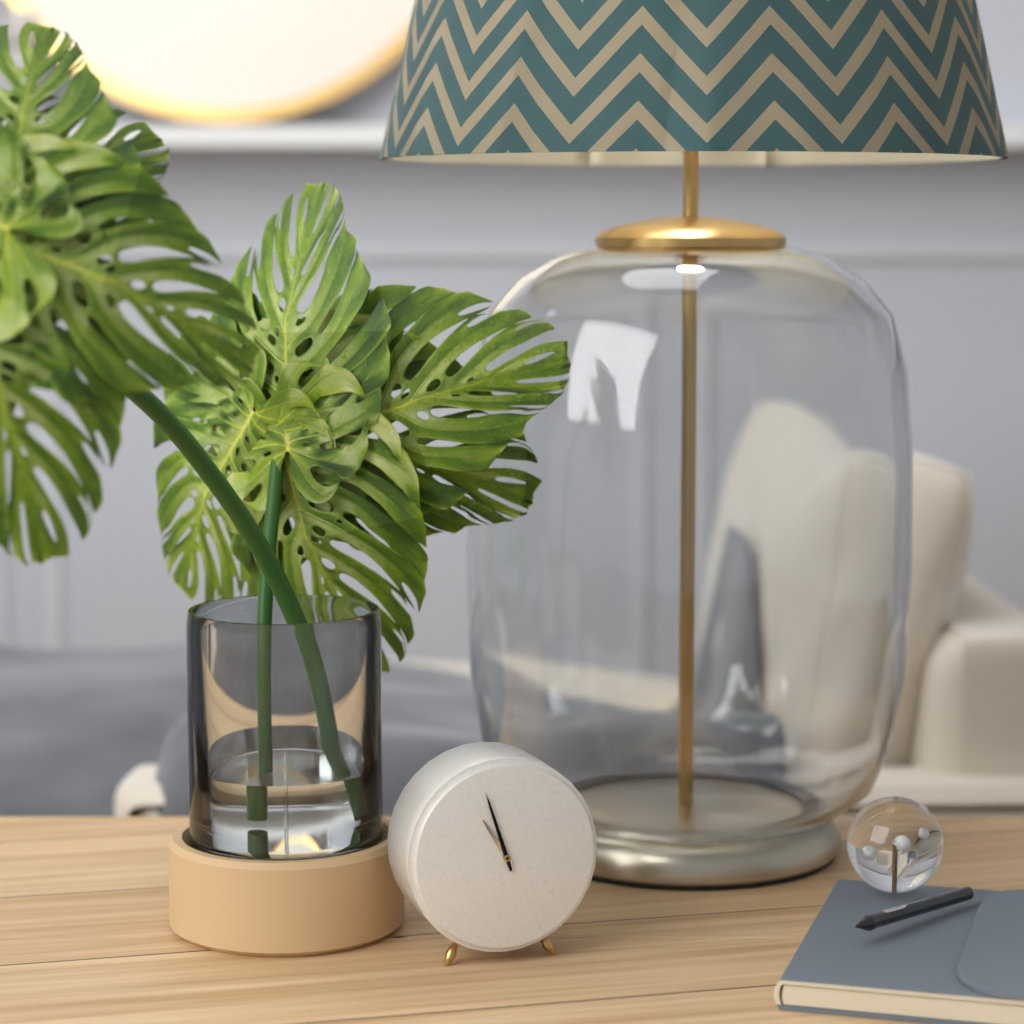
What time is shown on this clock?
10:57
